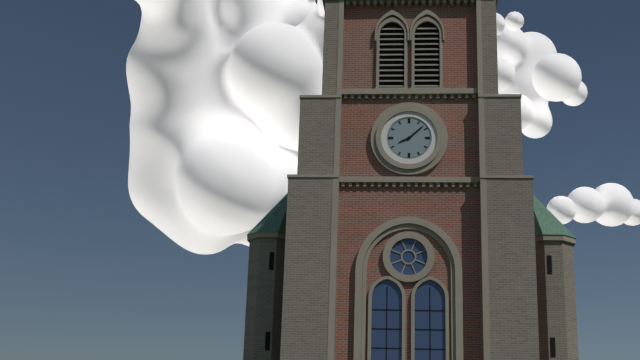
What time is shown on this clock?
8:08
